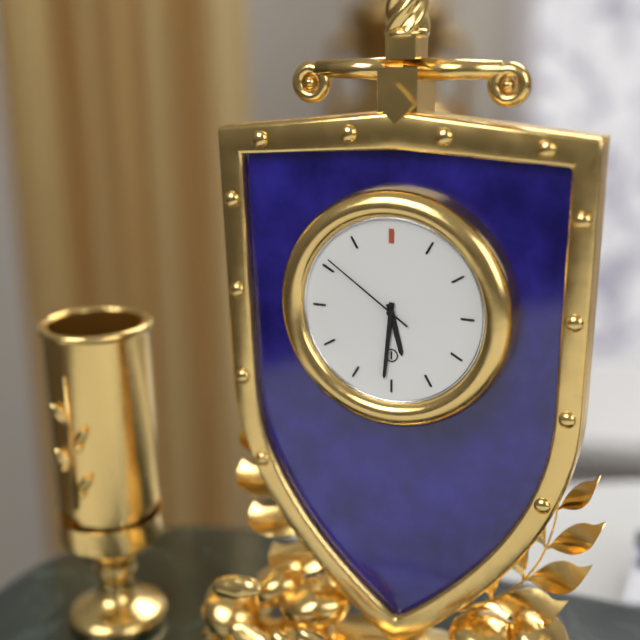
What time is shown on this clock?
5:31:51
